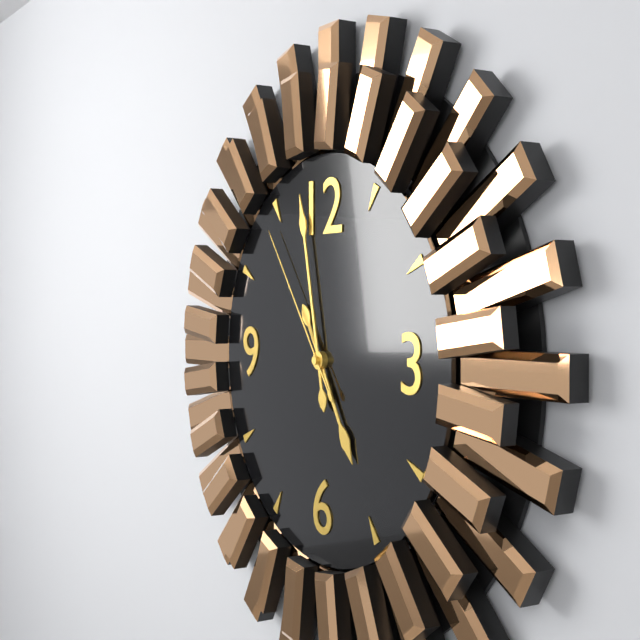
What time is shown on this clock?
4:58:54
